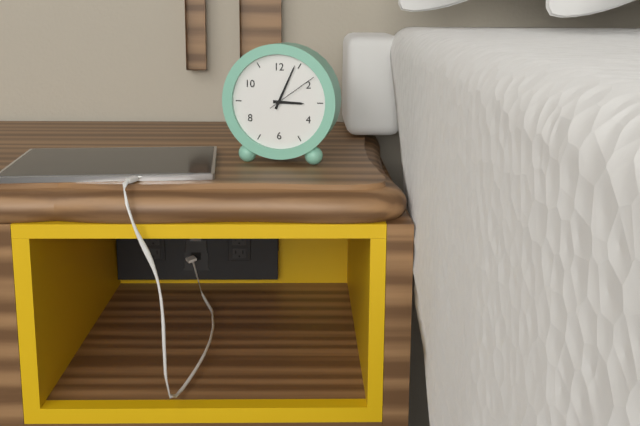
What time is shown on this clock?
3:04:09
